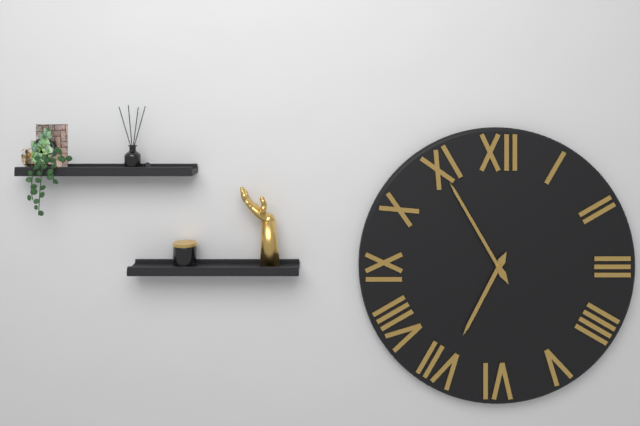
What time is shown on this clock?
6:55
